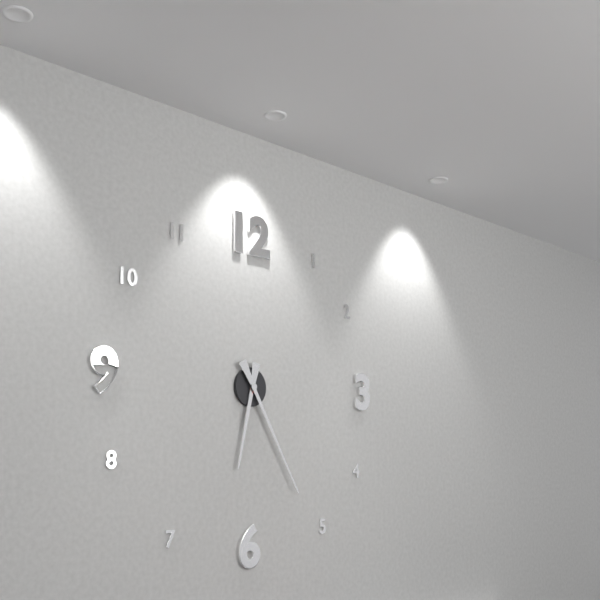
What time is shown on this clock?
6:25
